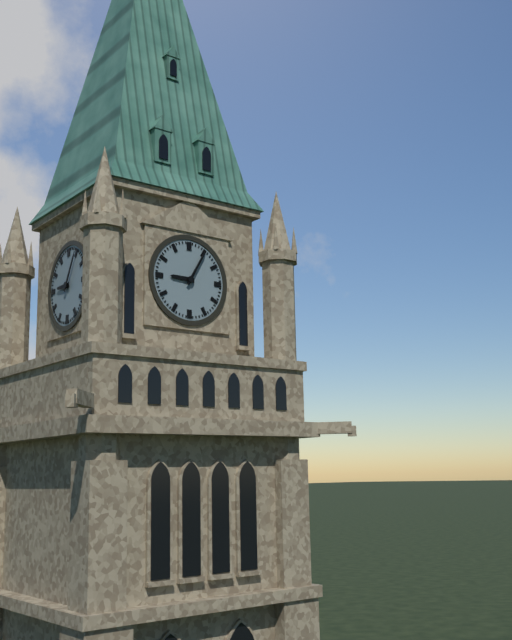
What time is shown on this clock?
9:05
